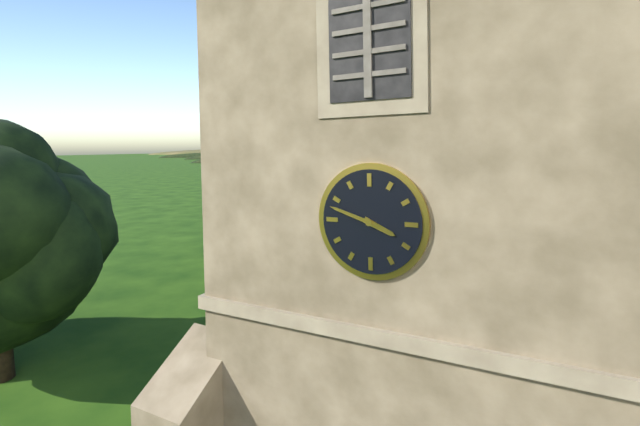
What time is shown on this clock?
3:48
